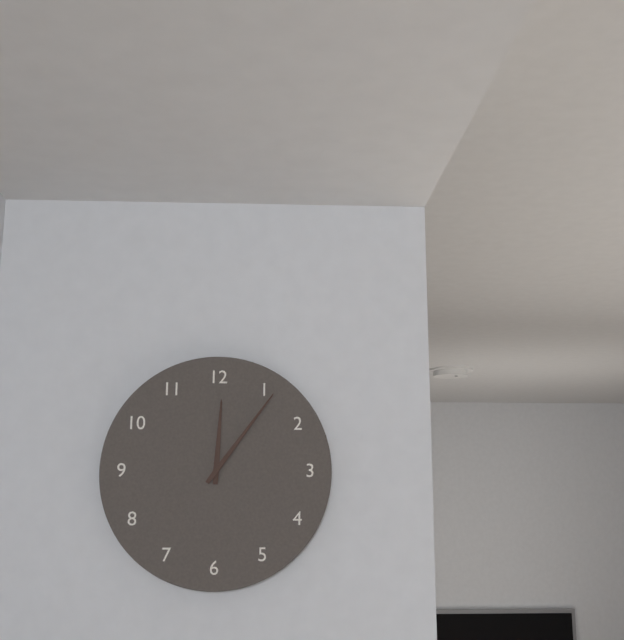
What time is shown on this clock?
12:06
